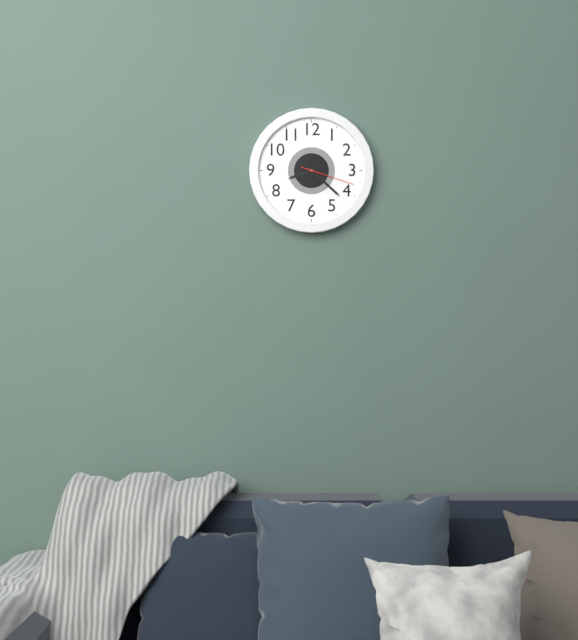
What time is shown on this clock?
8:22:18
